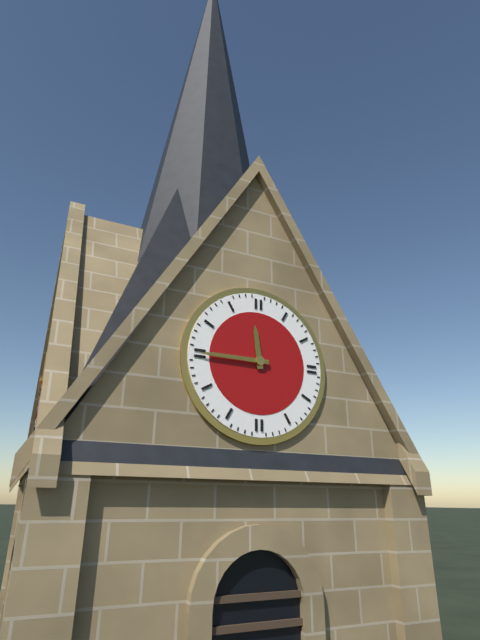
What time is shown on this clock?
11:45
